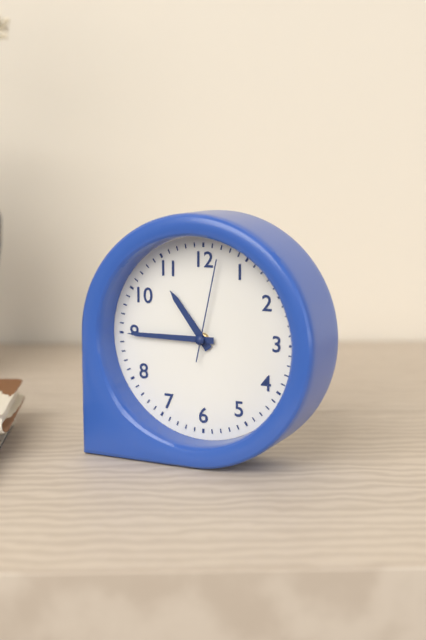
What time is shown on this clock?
10:45:02
